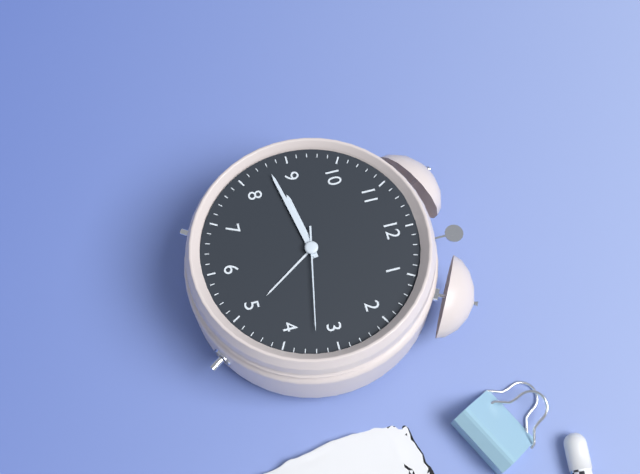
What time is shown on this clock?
8:43:17
